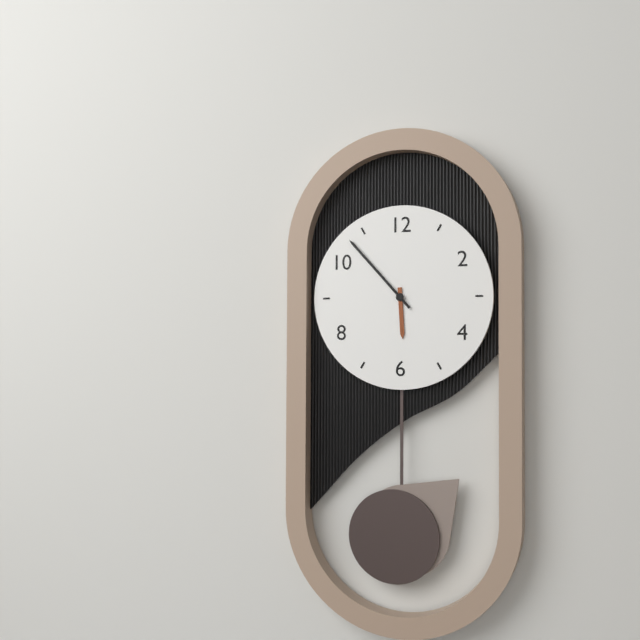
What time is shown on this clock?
5:53
